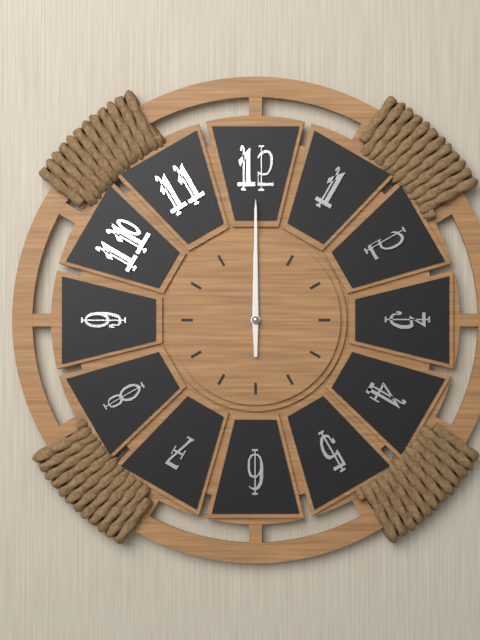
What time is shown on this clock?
12:00
